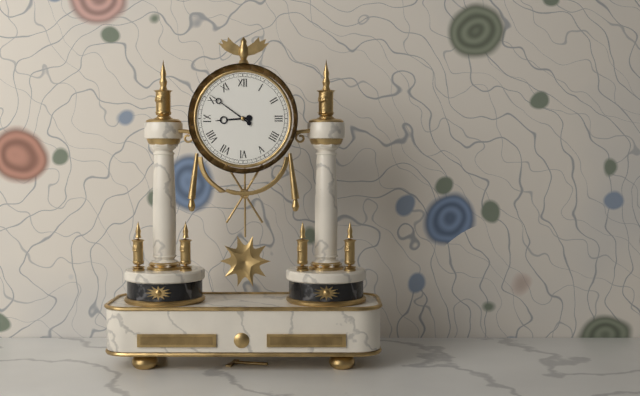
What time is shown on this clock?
8:51
